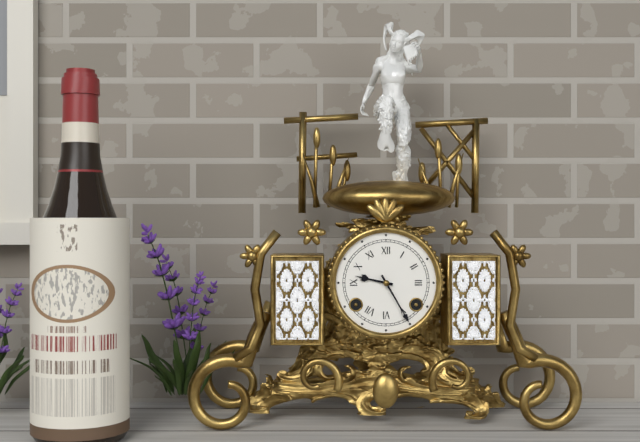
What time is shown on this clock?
9:25
